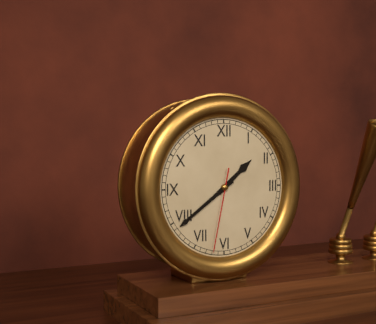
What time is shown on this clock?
1:39:32
